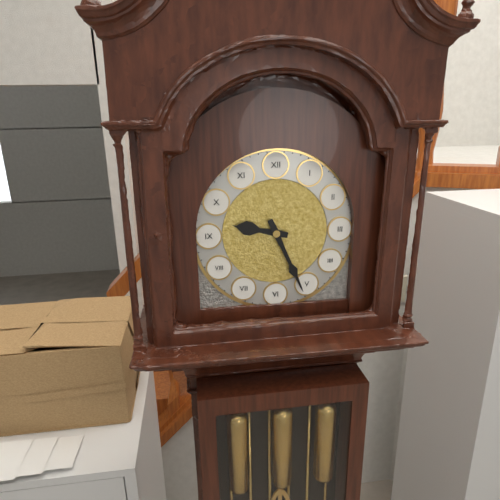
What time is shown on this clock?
9:26
